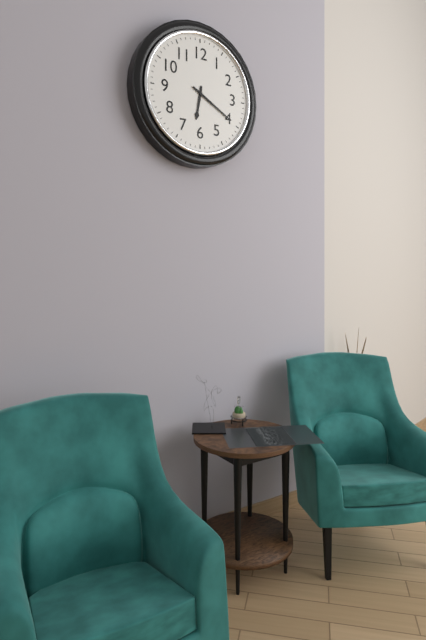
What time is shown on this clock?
6:20
